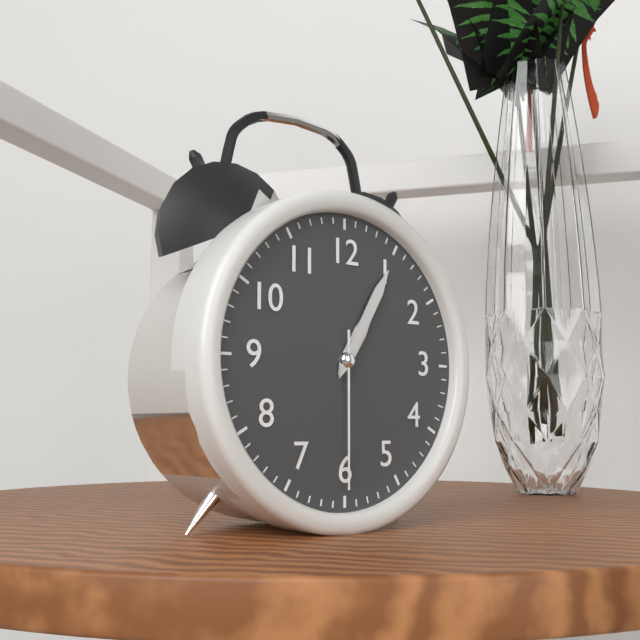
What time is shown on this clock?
1:05:30
